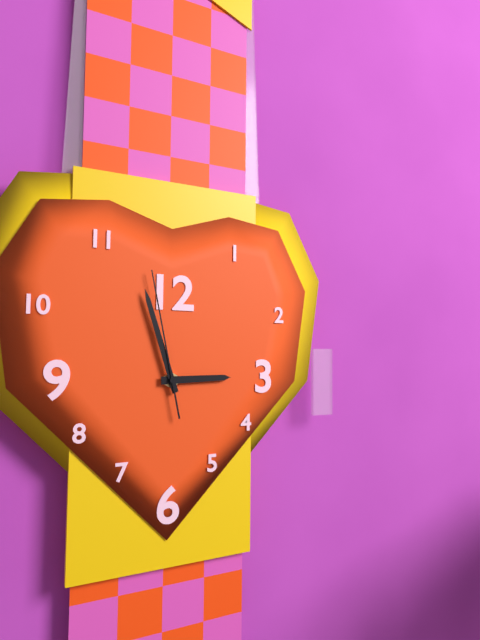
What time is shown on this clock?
2:57:58
